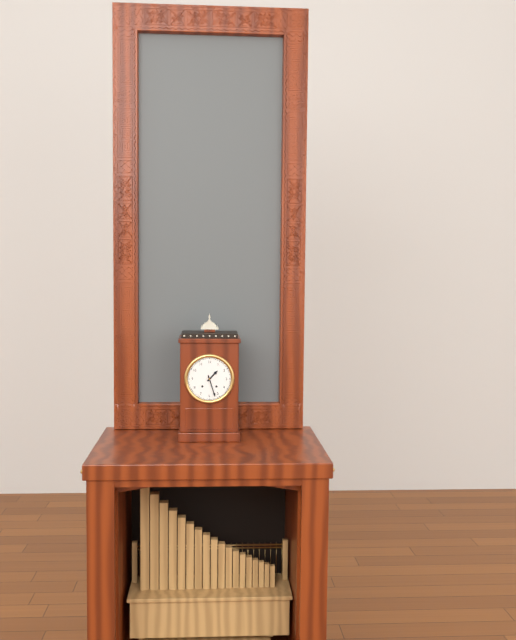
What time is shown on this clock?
1:27
